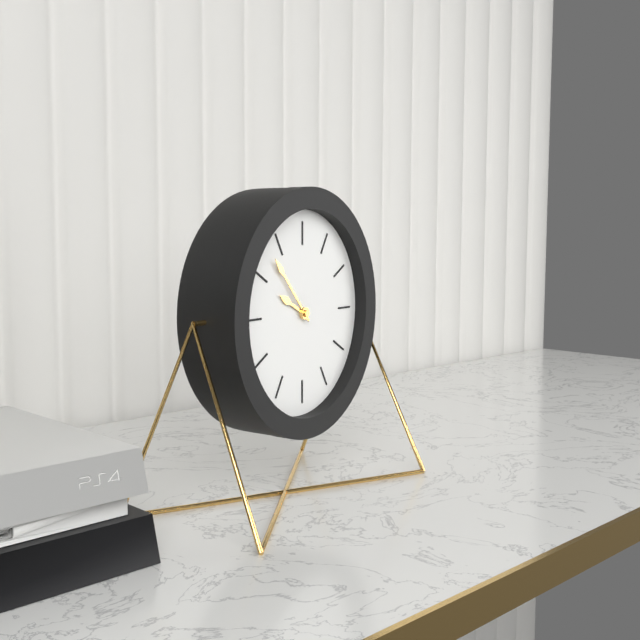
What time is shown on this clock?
9:53
